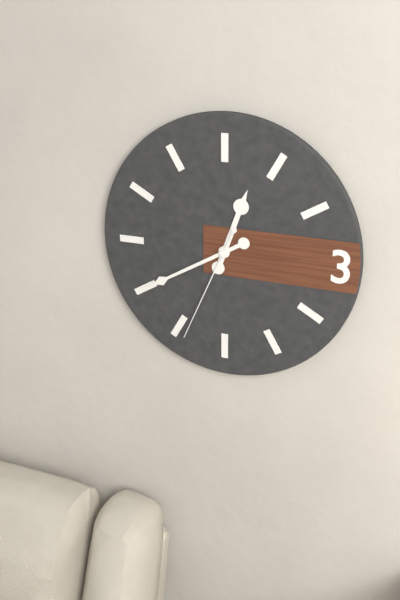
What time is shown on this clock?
12:40:34
